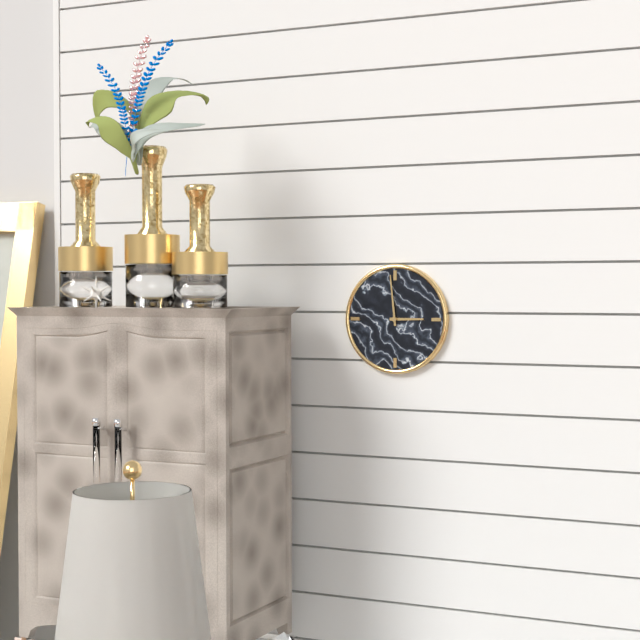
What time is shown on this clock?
2:59
